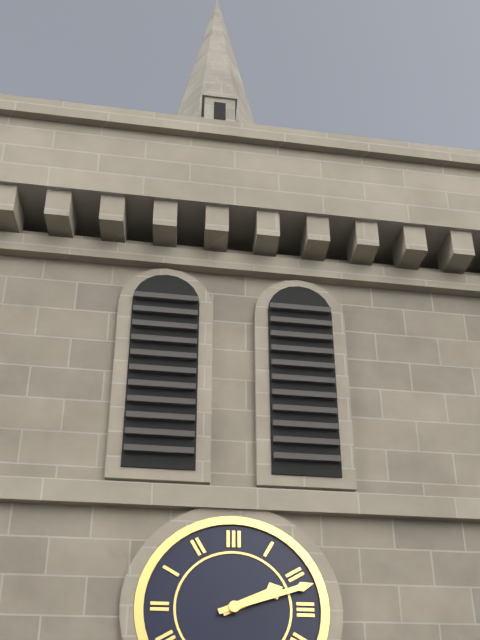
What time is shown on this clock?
2:12
